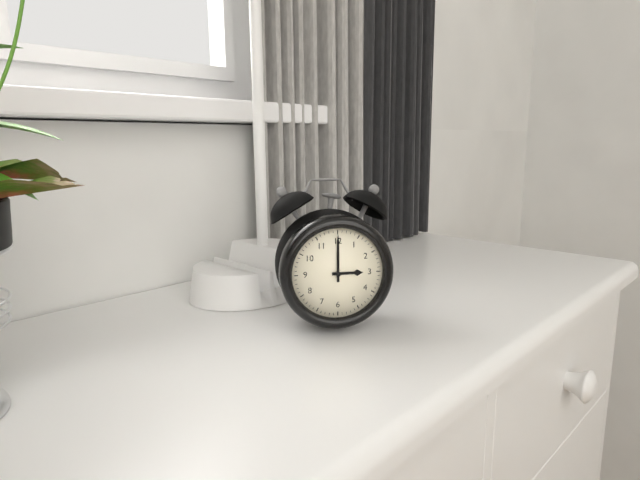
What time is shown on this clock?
3:00
